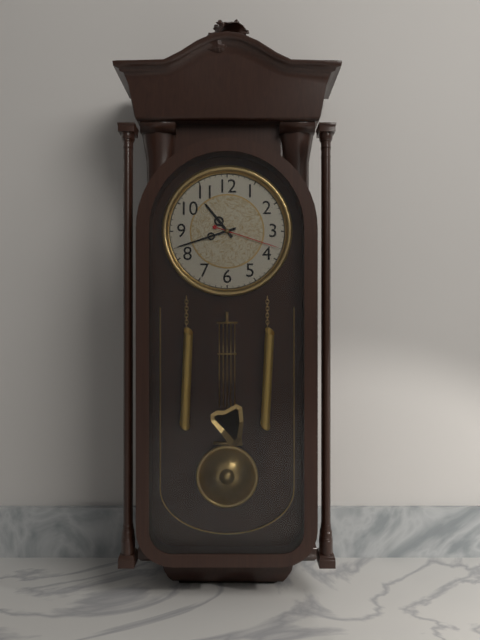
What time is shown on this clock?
10:42:18
